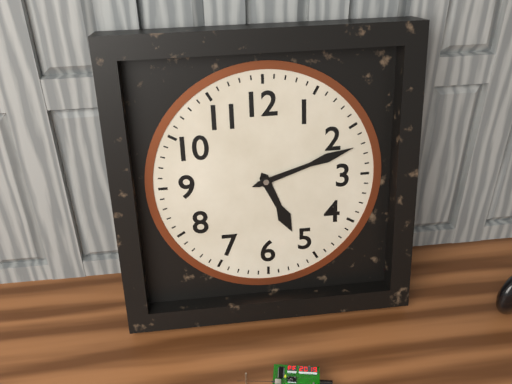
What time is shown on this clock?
5:12
